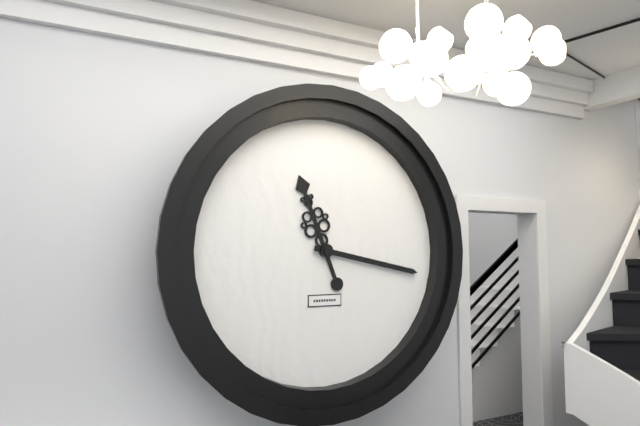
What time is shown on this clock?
11:17
